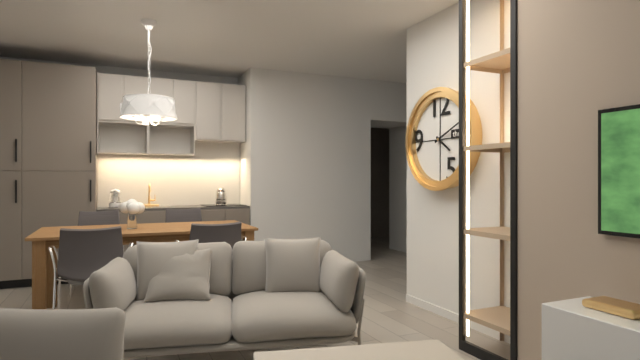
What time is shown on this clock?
4:11
